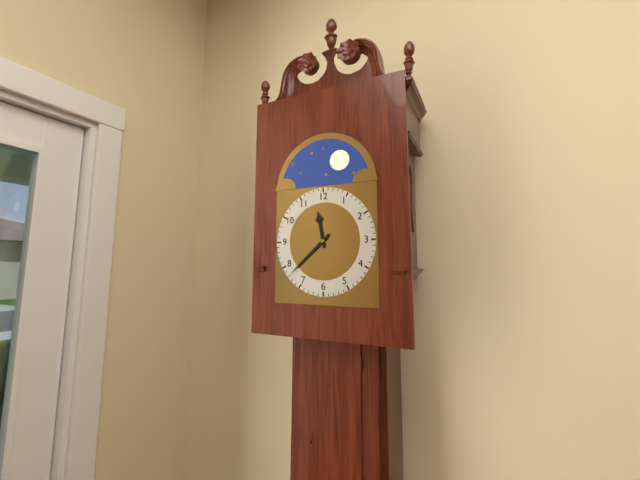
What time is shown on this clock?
11:38
